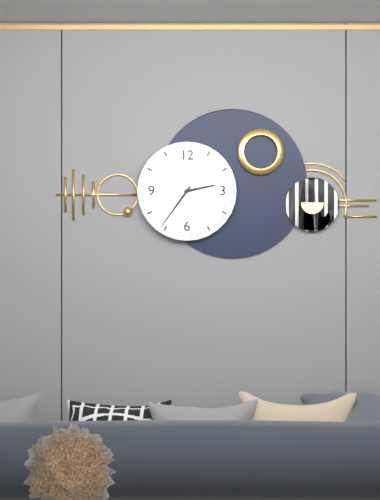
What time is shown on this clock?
2:36
